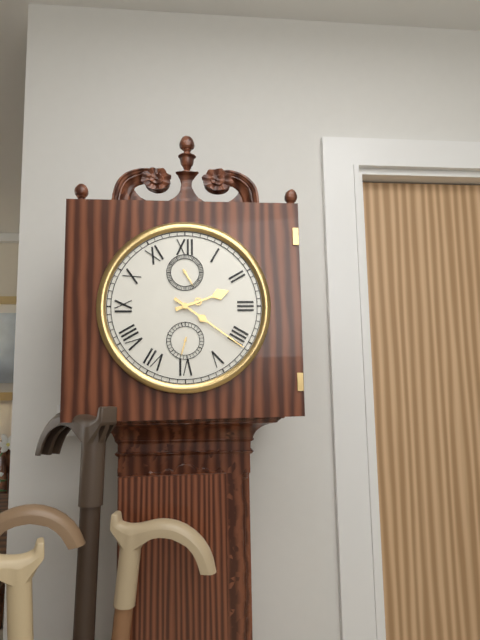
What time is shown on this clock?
2:21
